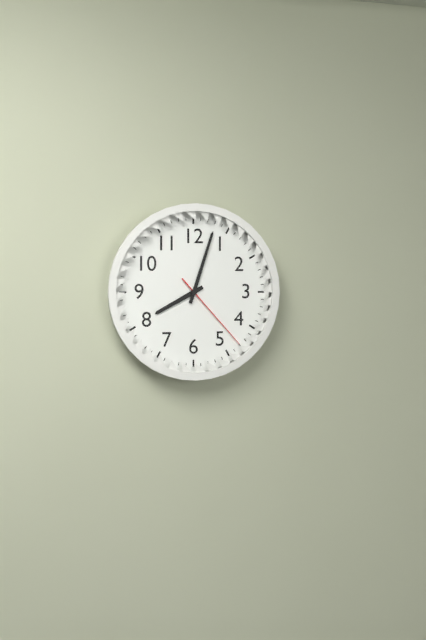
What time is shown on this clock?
8:03:23
